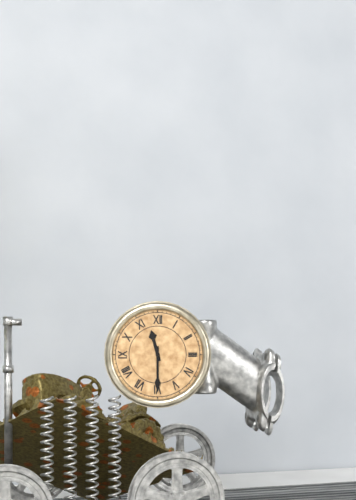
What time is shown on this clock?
11:30
